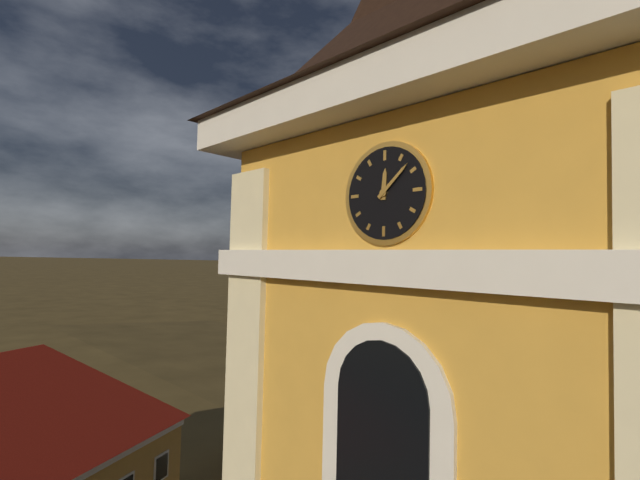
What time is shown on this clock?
12:08
